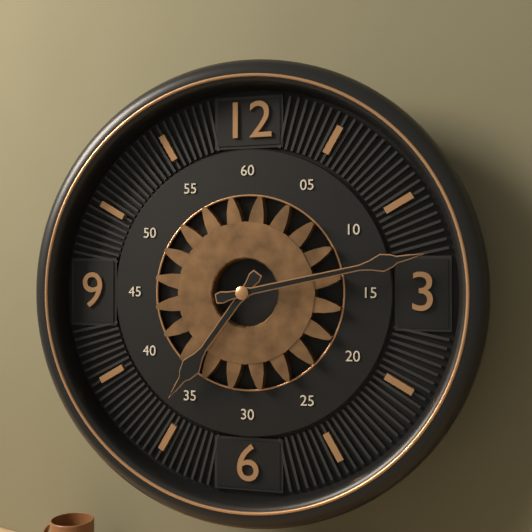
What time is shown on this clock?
7:13
